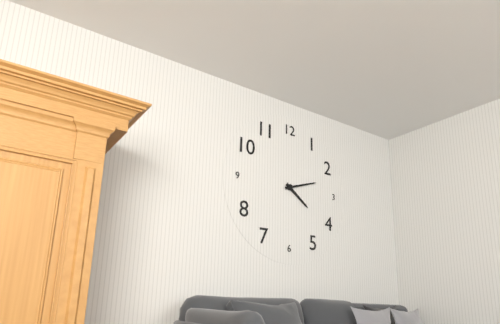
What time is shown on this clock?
4:12
